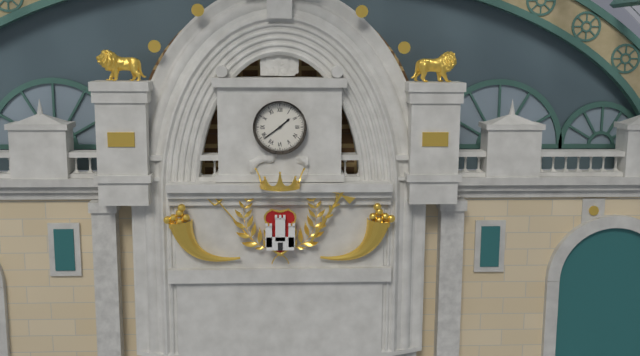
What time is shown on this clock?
1:39
